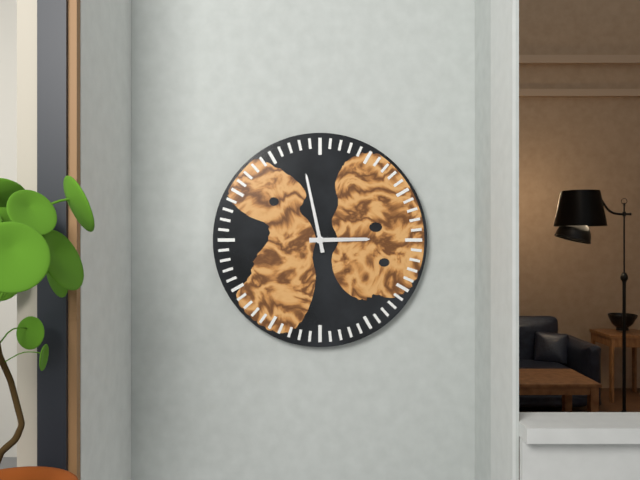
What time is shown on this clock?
2:58
